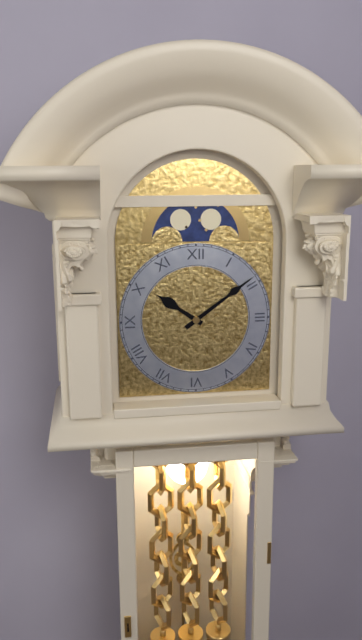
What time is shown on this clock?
10:09
